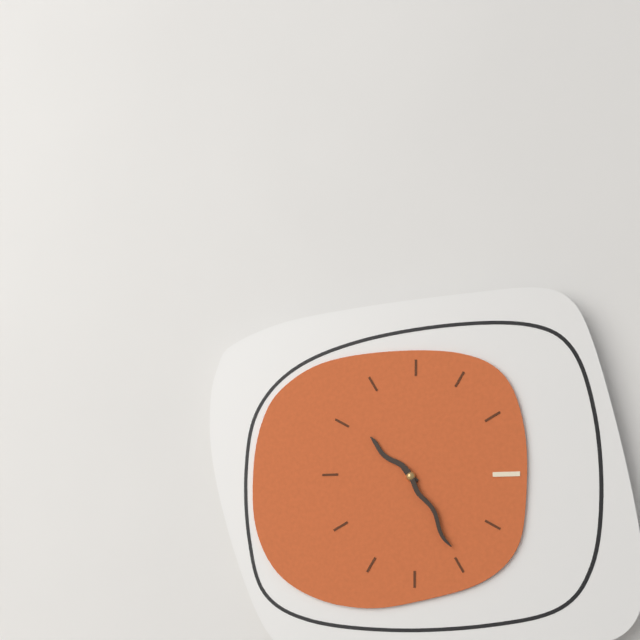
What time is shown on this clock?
10:25
